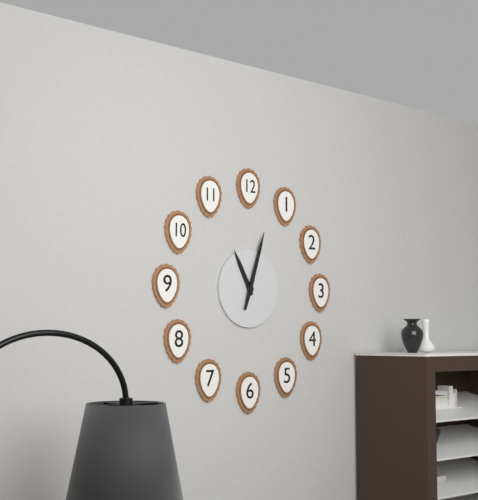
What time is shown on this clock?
11:03
